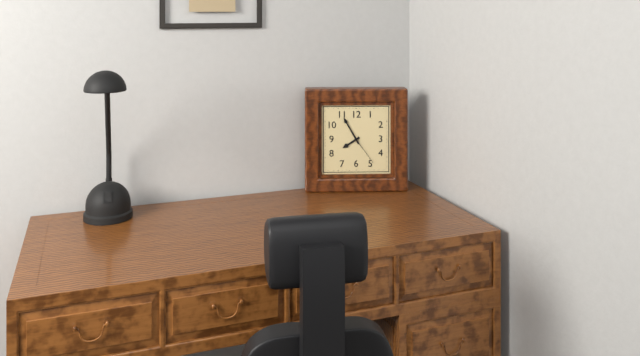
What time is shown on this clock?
7:55
